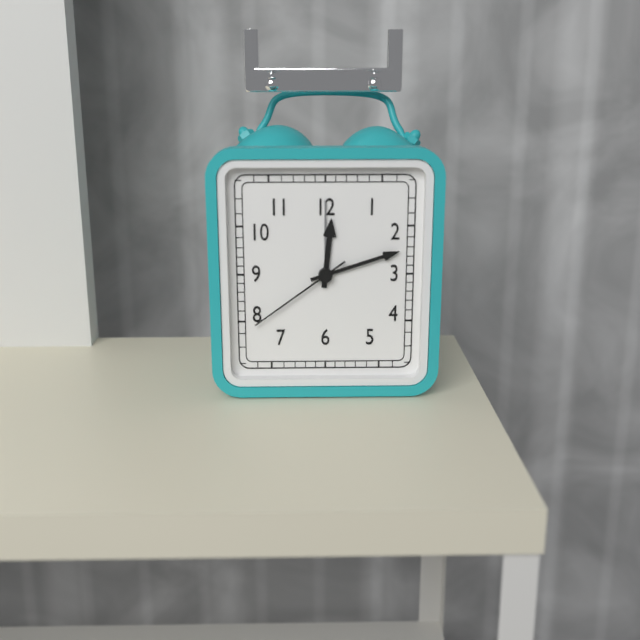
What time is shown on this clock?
12:12:39
